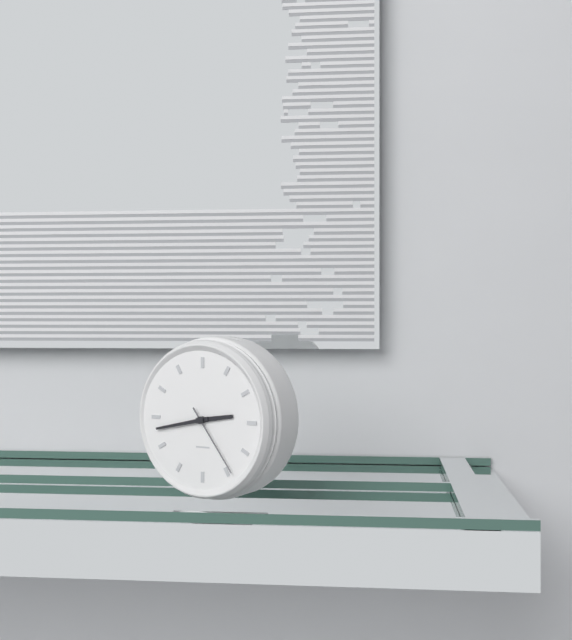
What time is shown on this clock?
2:43:24
